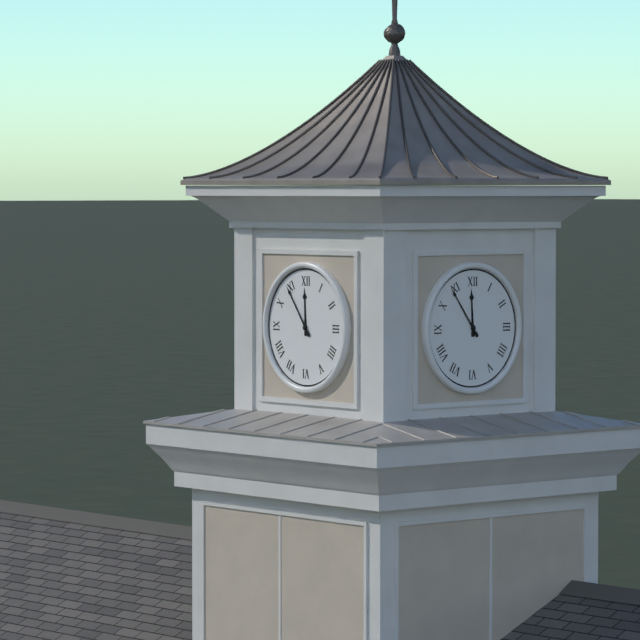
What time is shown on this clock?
11:54
